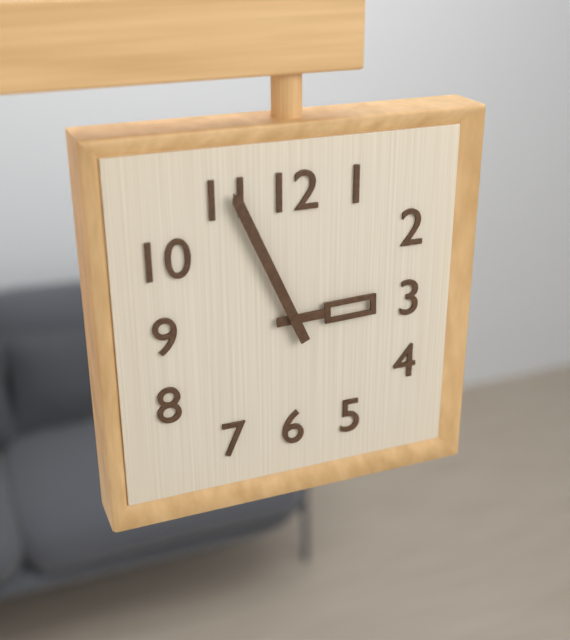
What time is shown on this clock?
2:56
